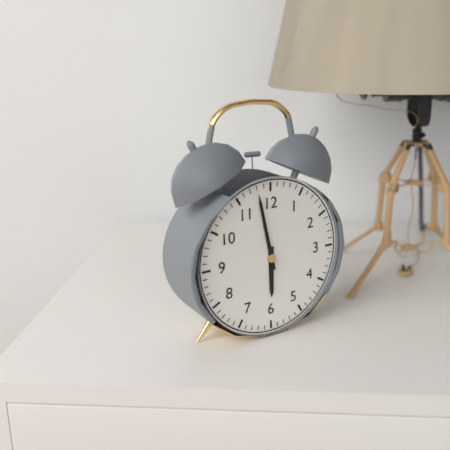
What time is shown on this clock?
5:58
